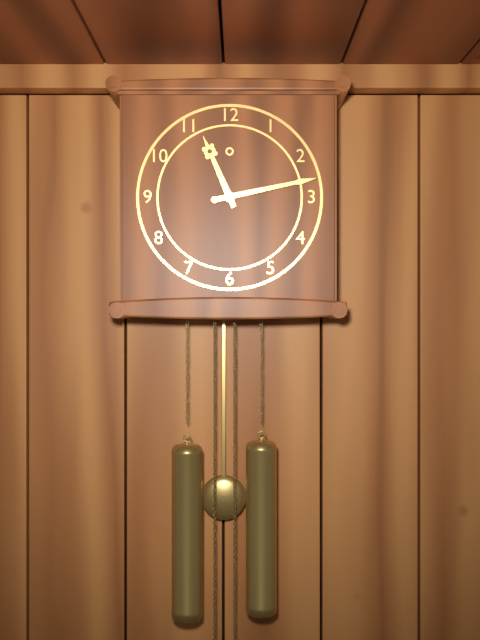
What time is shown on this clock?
11:13
